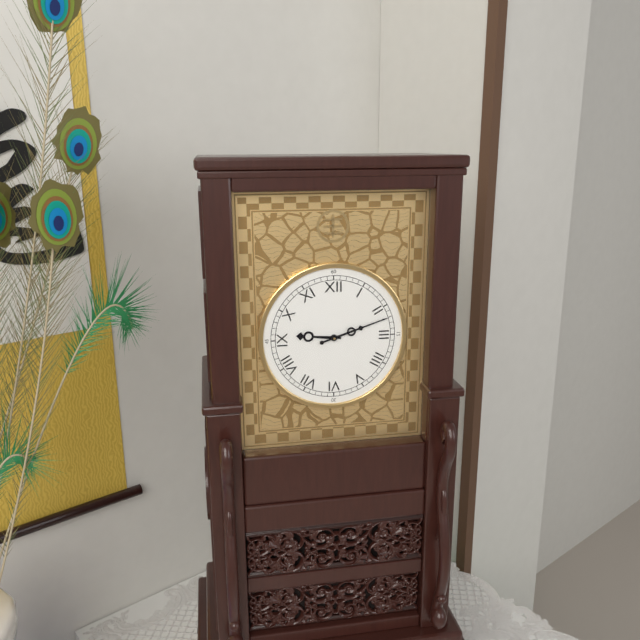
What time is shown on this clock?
9:12
